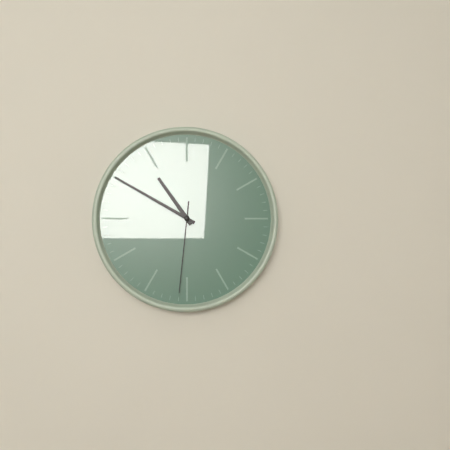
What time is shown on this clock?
10:50:31
